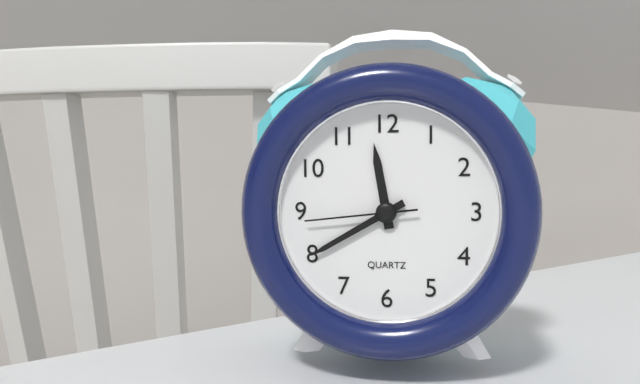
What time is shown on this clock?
11:40:44
